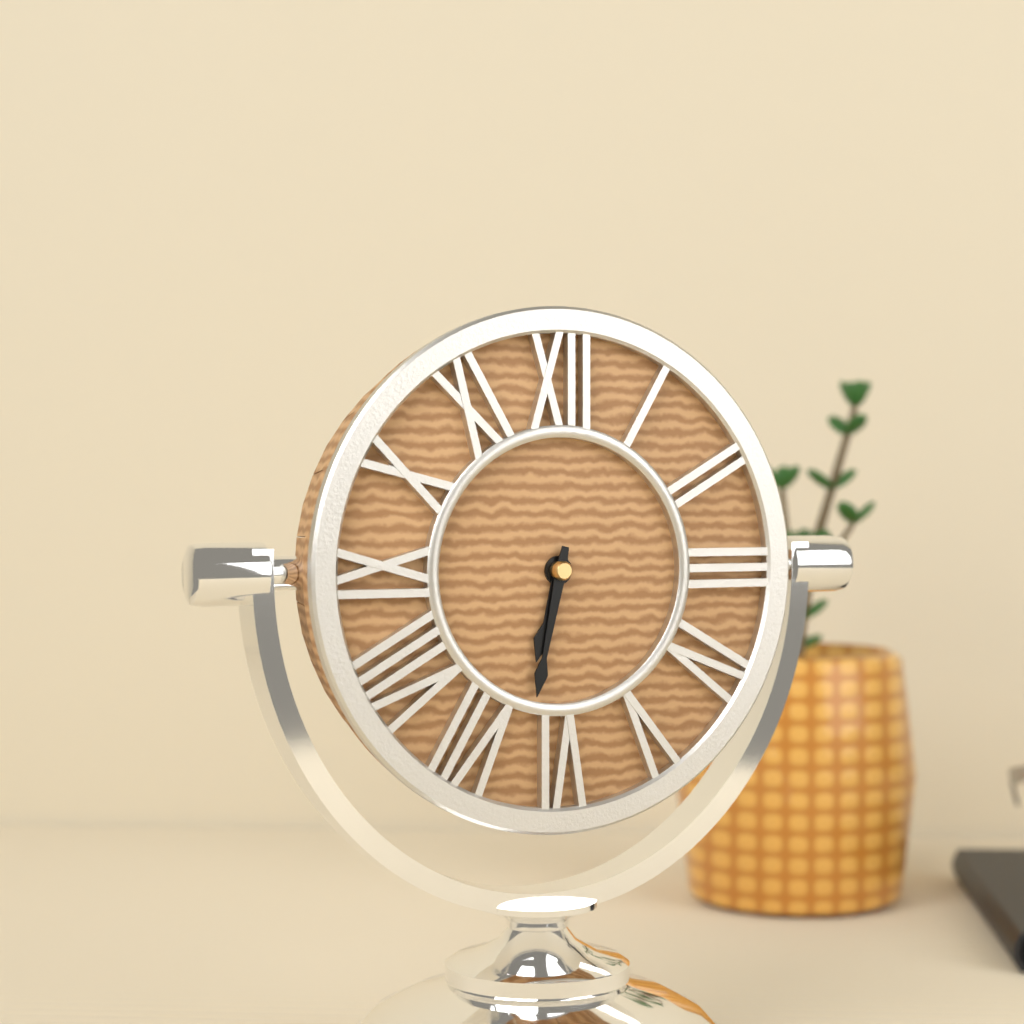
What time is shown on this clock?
6:32
